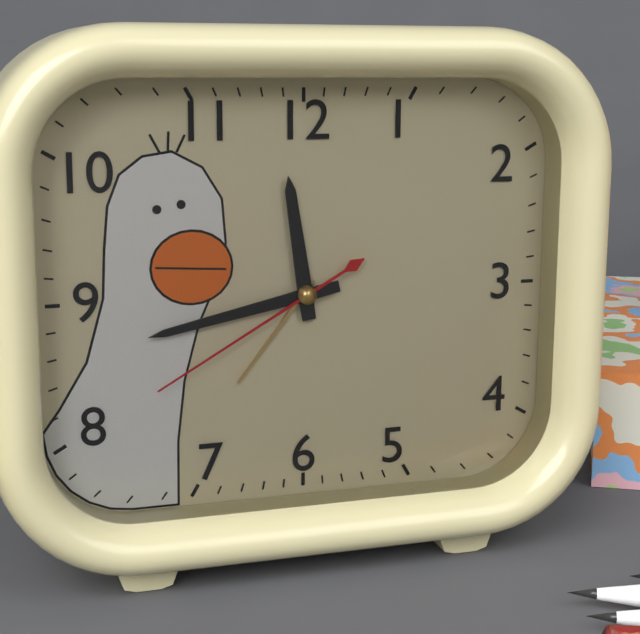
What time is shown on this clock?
11:43:40
